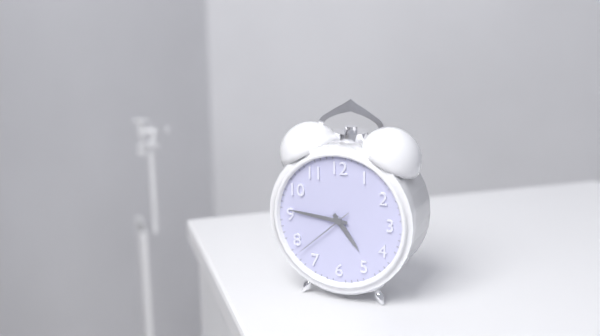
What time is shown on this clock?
4:46:38
